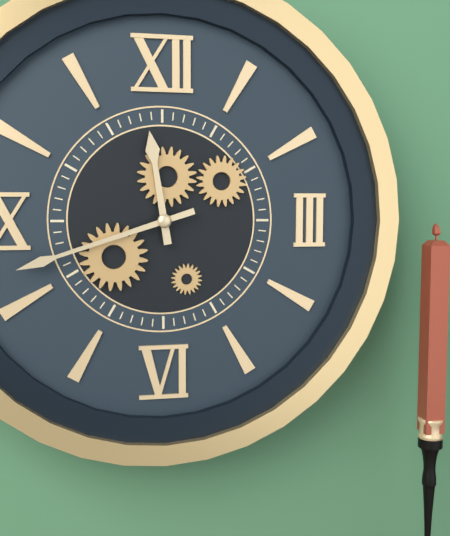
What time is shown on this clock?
11:42
